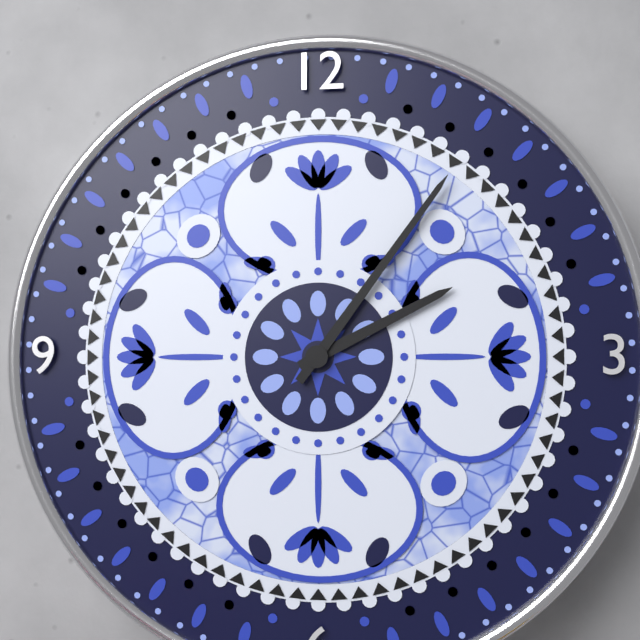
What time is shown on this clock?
2:06
